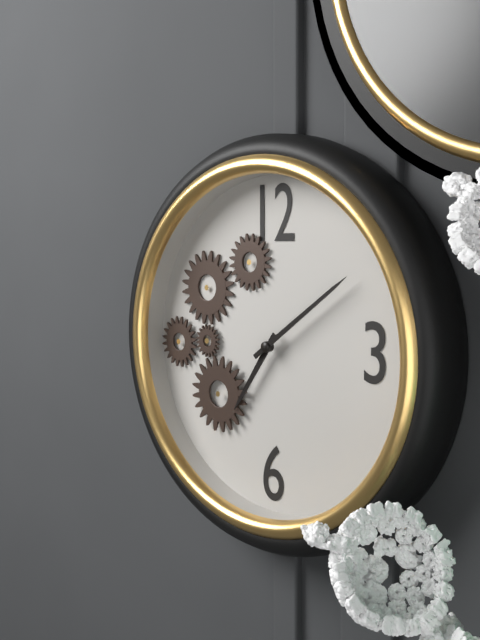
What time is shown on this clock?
7:09
